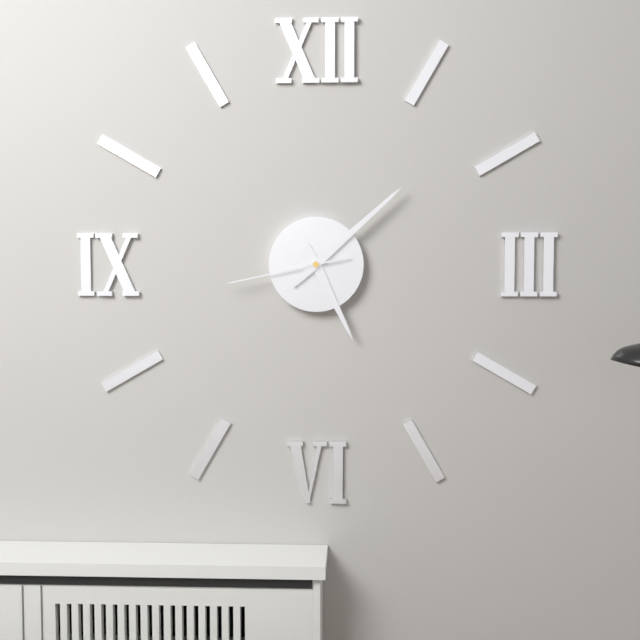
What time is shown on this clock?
5:08:43
